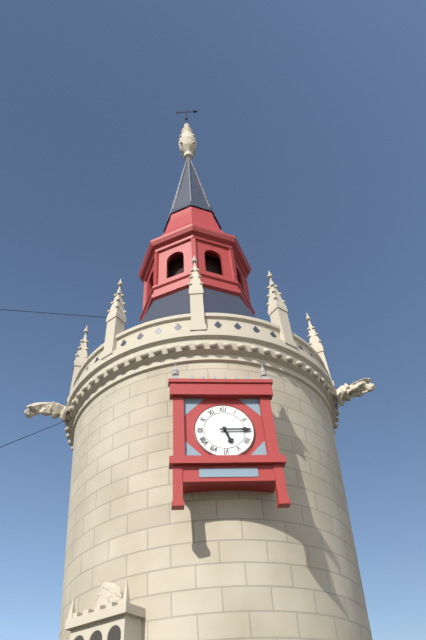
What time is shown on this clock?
5:15
